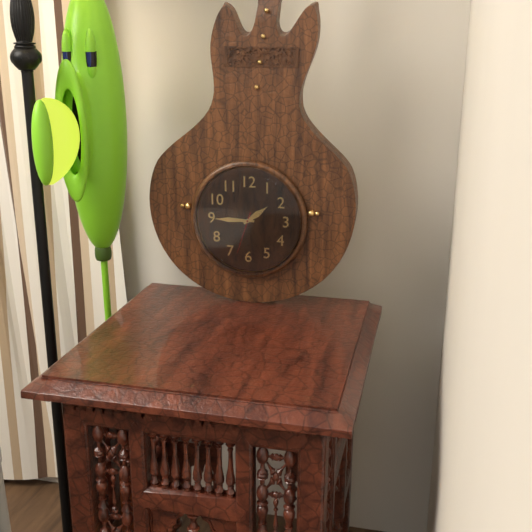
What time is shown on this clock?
1:45
